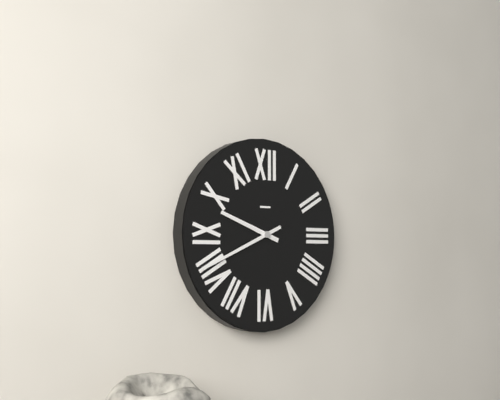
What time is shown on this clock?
9:41
